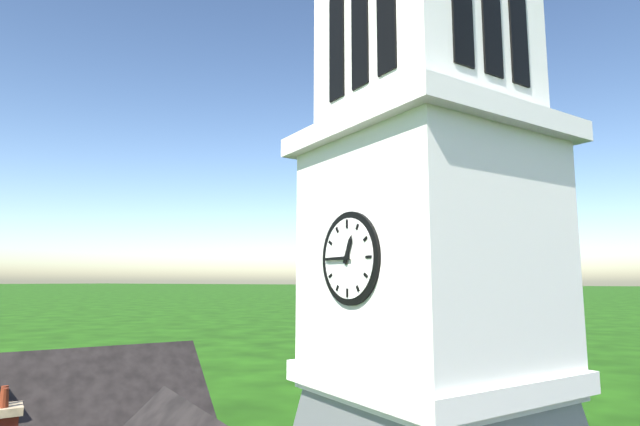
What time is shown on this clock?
12:45
